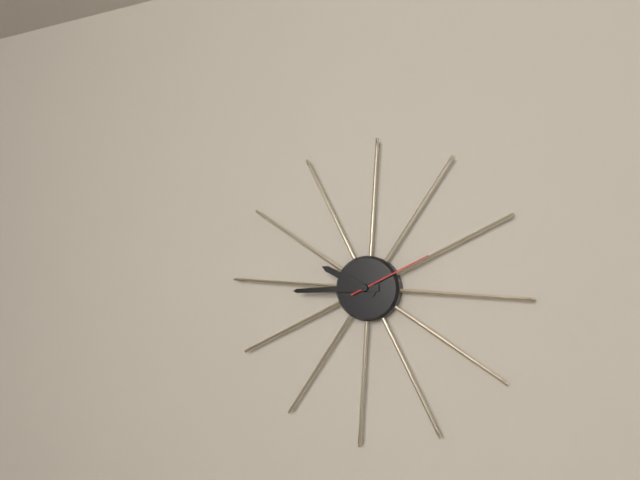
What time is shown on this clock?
9:44:10
